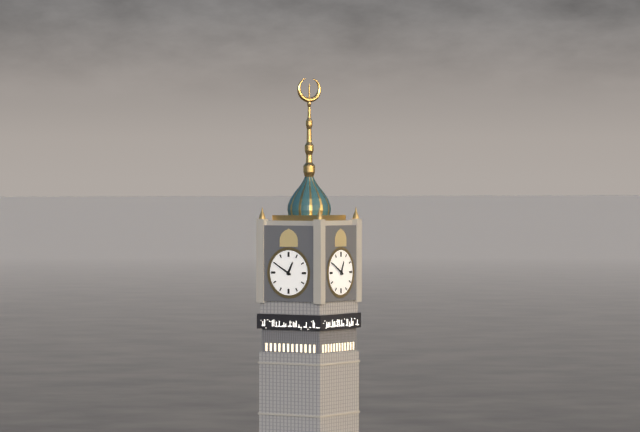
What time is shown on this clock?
12:50
